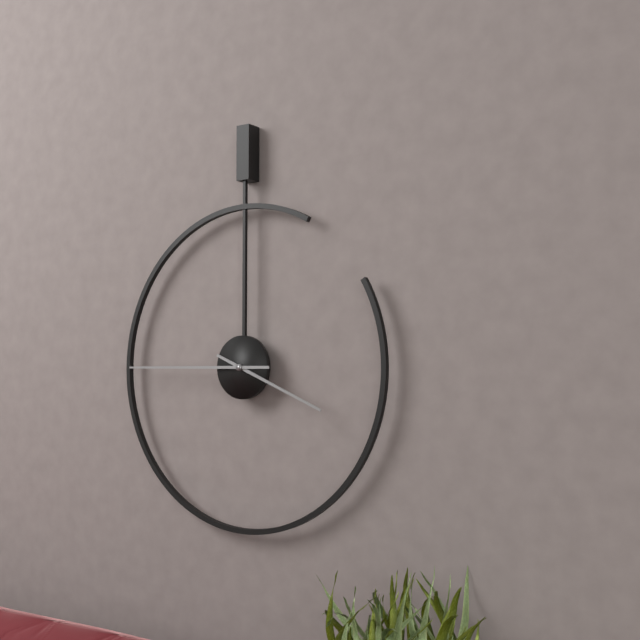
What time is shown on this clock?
3:45
